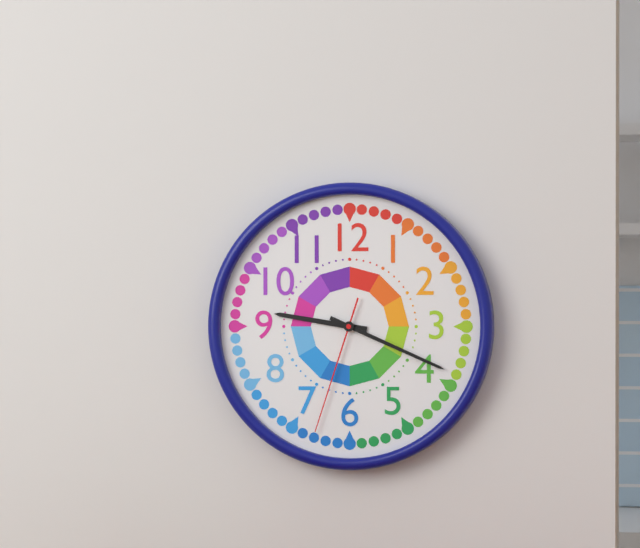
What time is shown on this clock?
9:19:33
